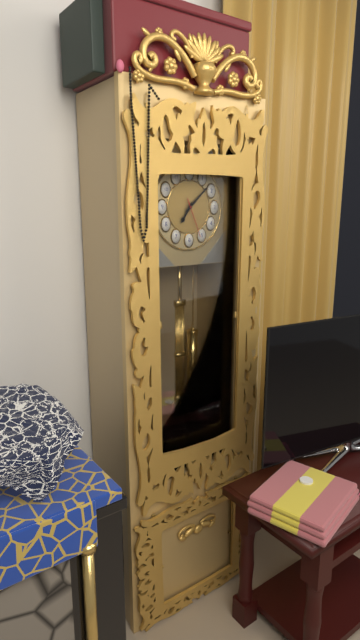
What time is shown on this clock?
7:08
